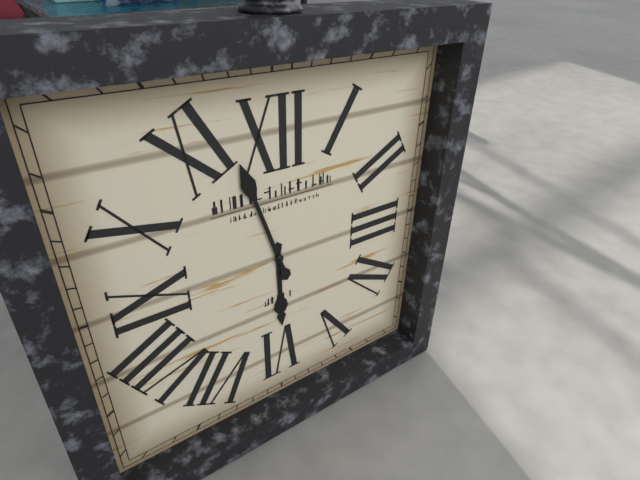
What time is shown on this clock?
5:57
